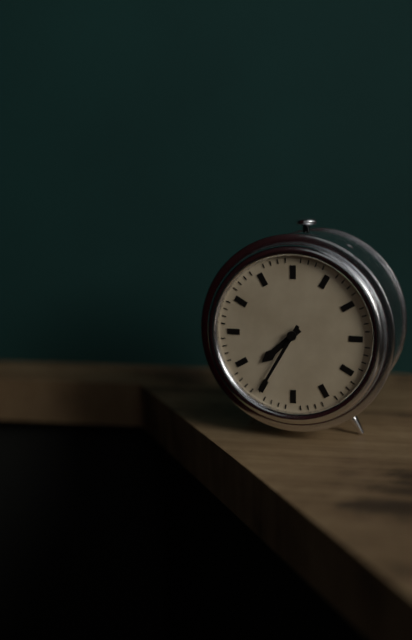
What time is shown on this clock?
7:35
